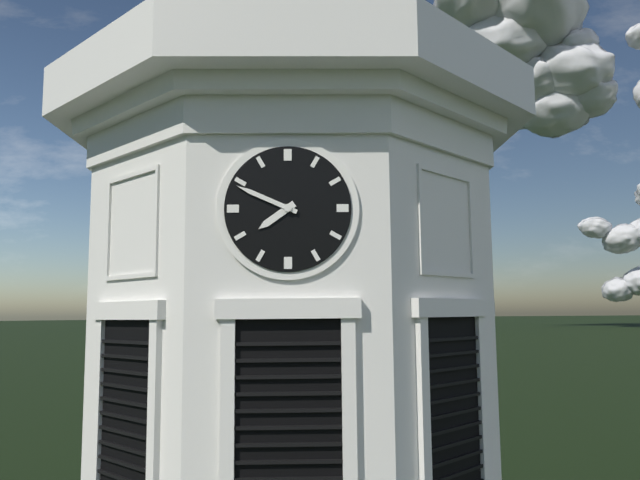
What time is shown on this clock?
7:49
